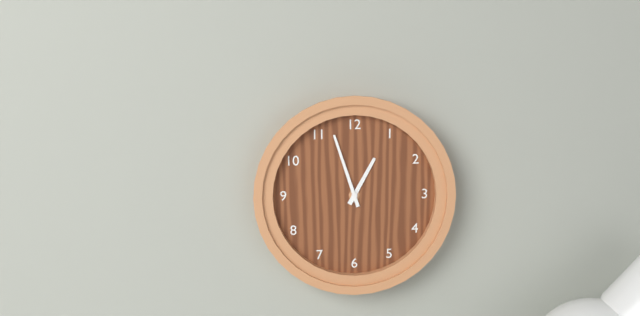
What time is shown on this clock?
12:57
